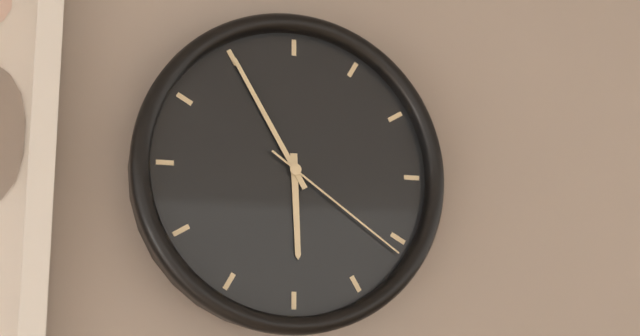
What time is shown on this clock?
5:55:21
